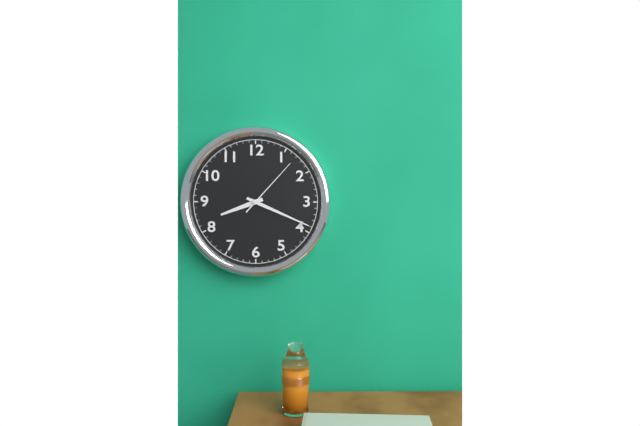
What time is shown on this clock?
8:19:07
